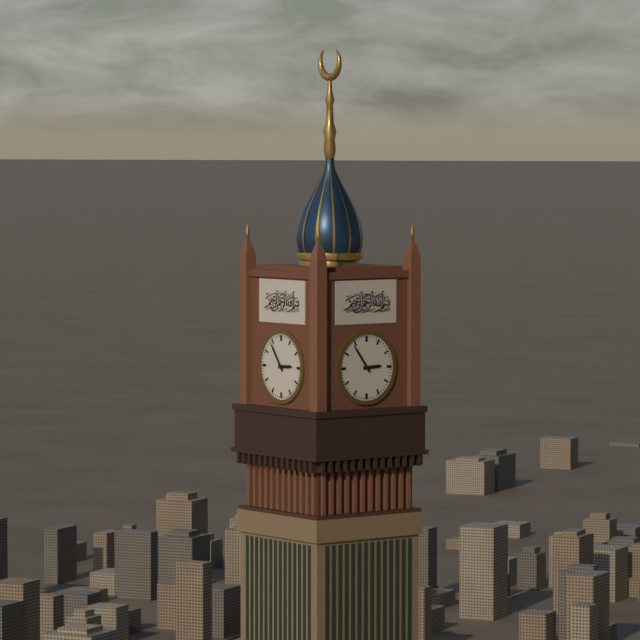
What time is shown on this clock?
2:54
